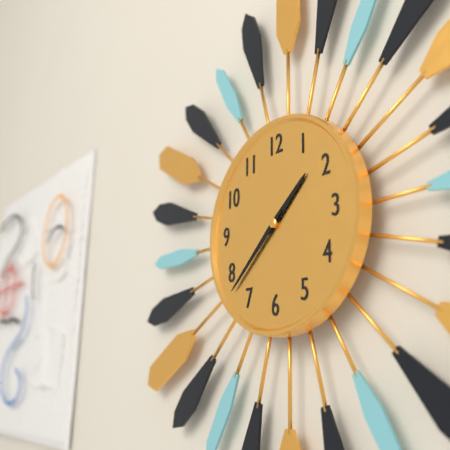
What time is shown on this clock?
1:38
